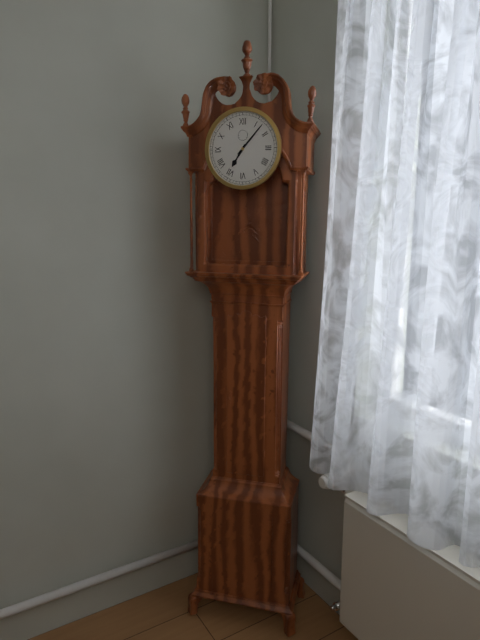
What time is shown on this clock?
7:07
